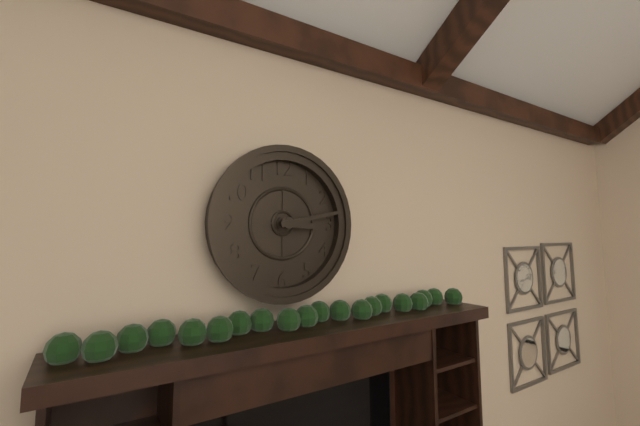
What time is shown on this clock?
3:13
